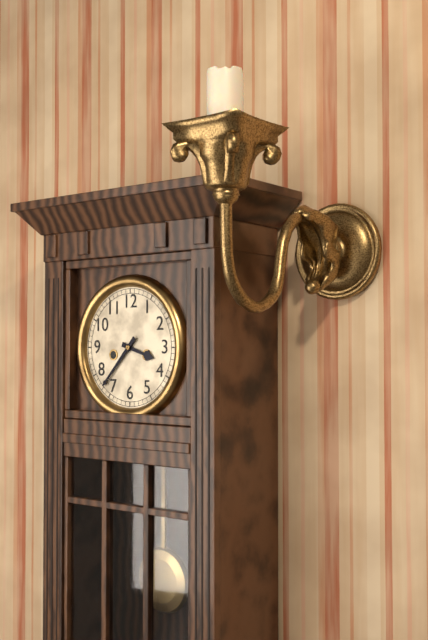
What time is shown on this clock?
3:37
